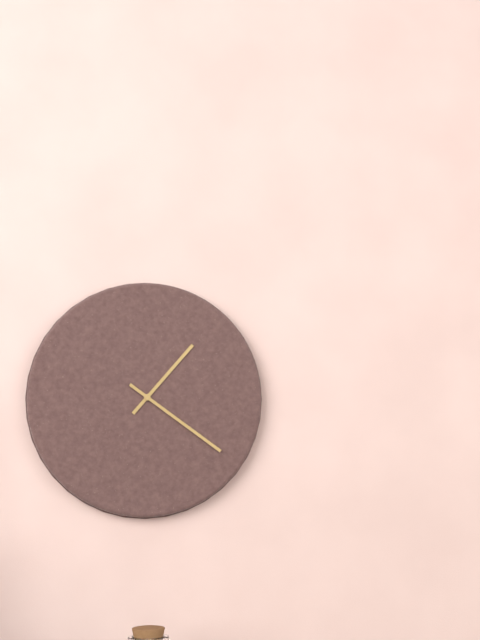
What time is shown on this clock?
1:21
